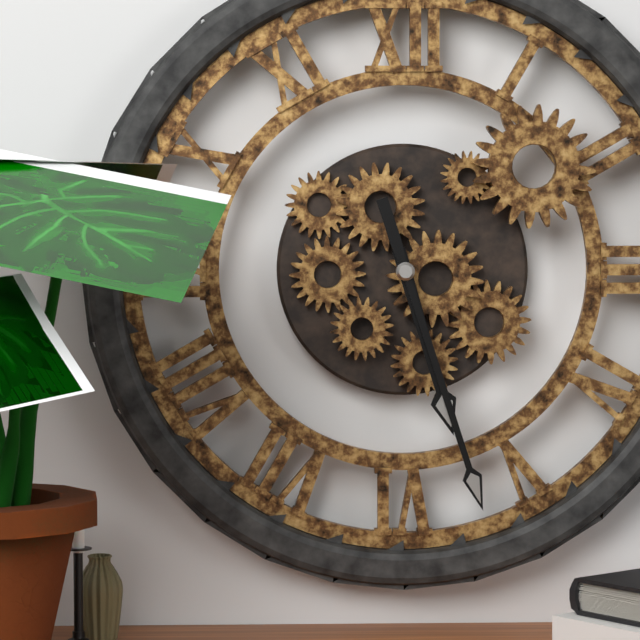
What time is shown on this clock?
5:27
